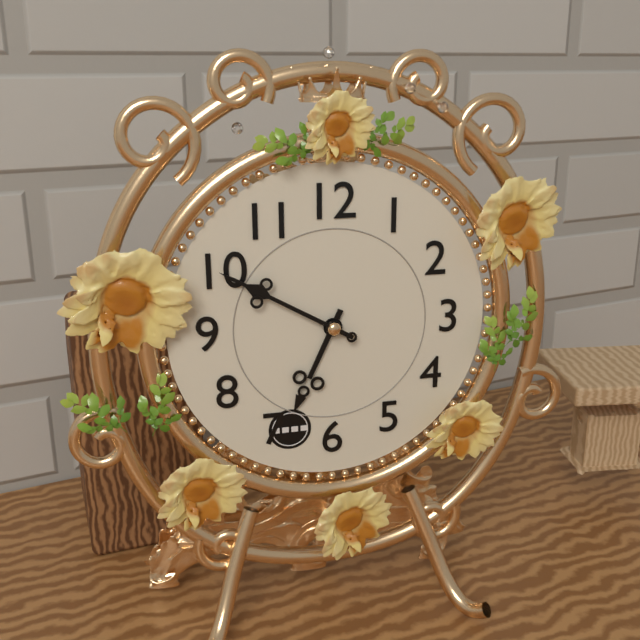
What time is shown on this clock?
6:50
